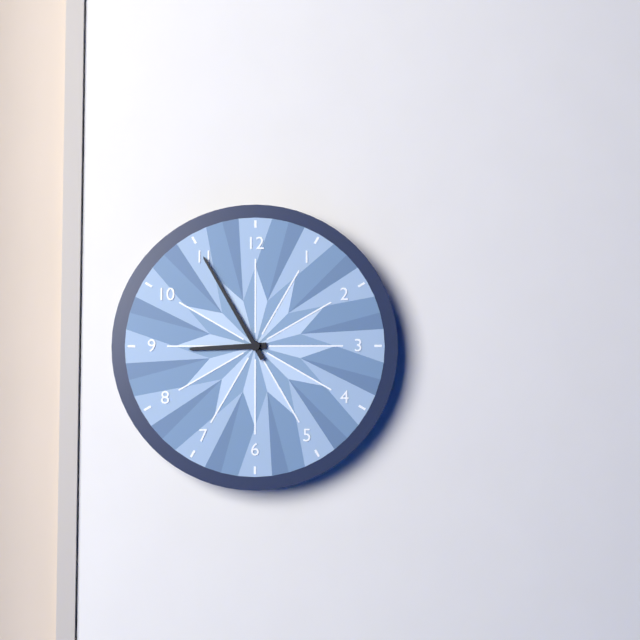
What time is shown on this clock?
8:55
